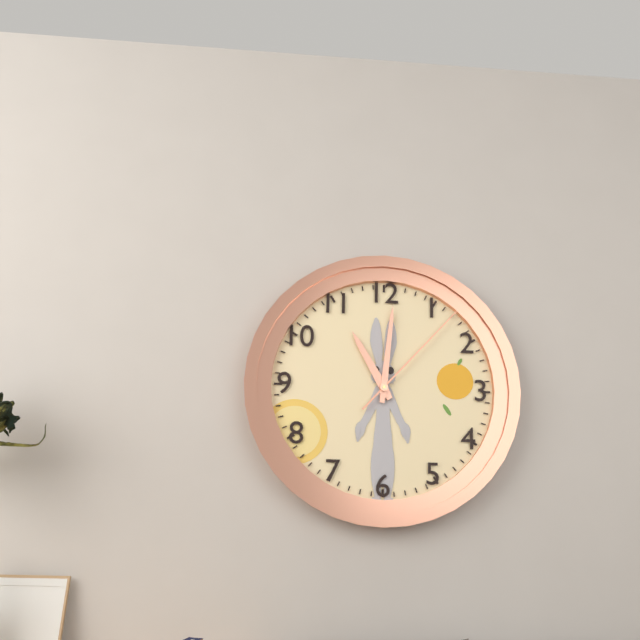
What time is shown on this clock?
11:01:07
